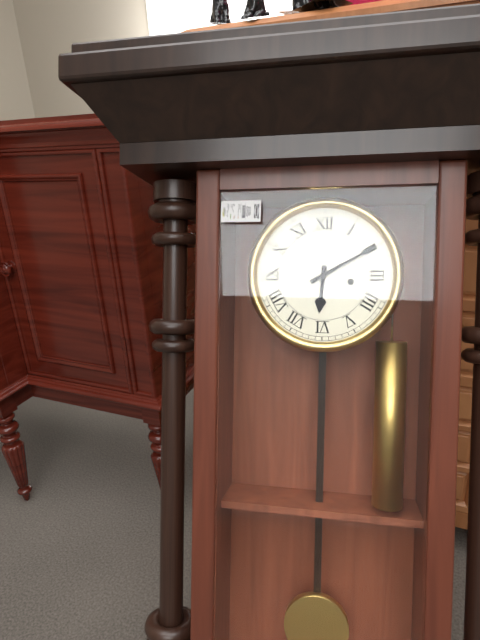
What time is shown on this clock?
6:10
